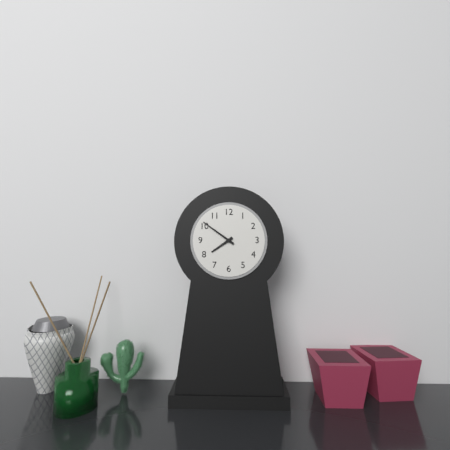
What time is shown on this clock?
7:51
